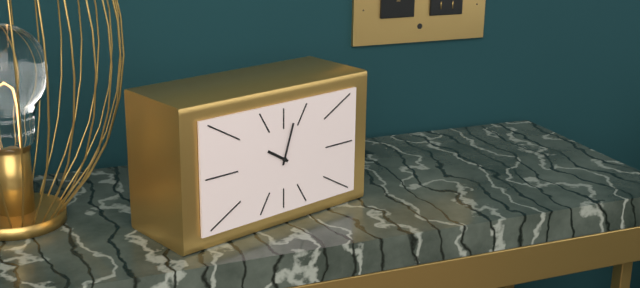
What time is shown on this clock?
10:03
